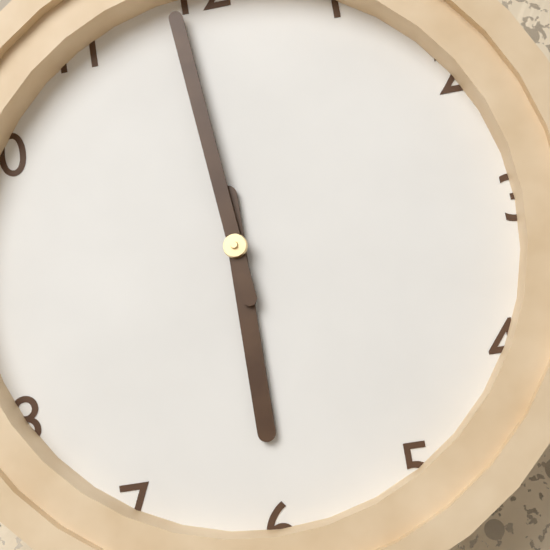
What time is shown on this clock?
5:59
